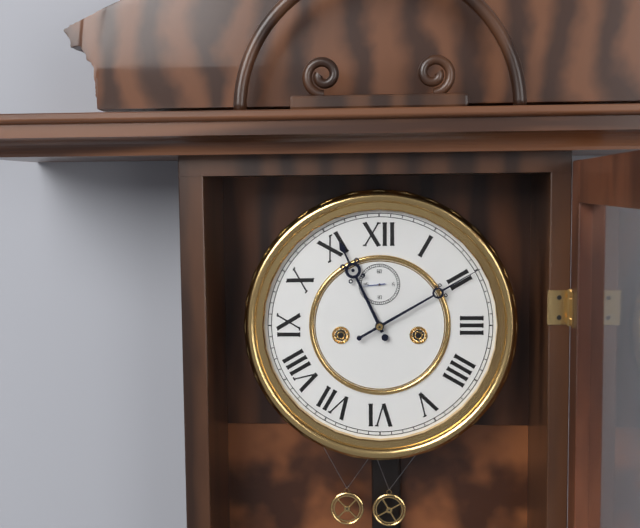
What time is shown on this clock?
11:10
